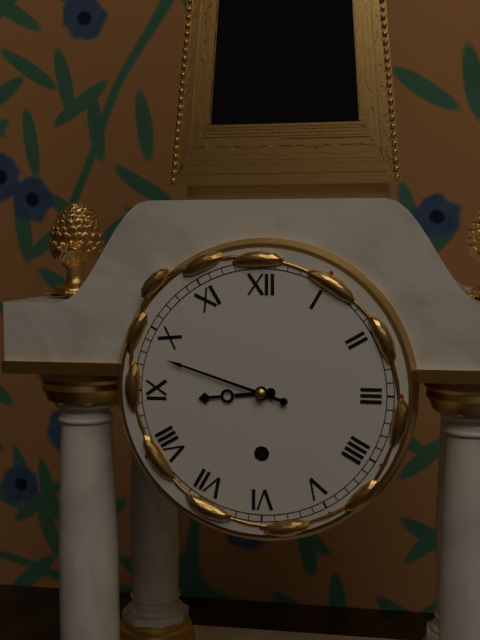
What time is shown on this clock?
8:48
